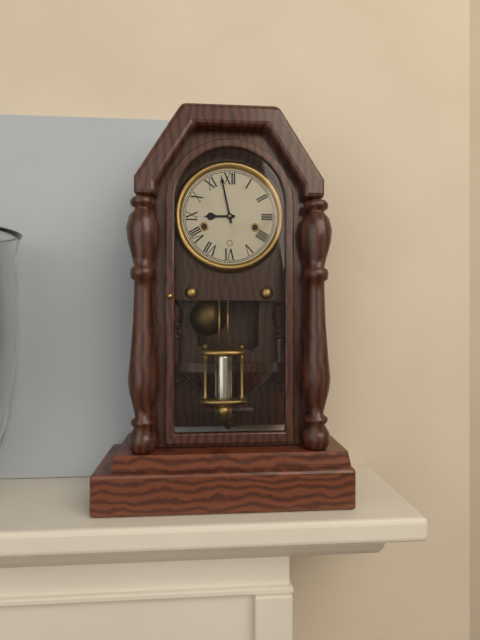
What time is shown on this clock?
8:58
